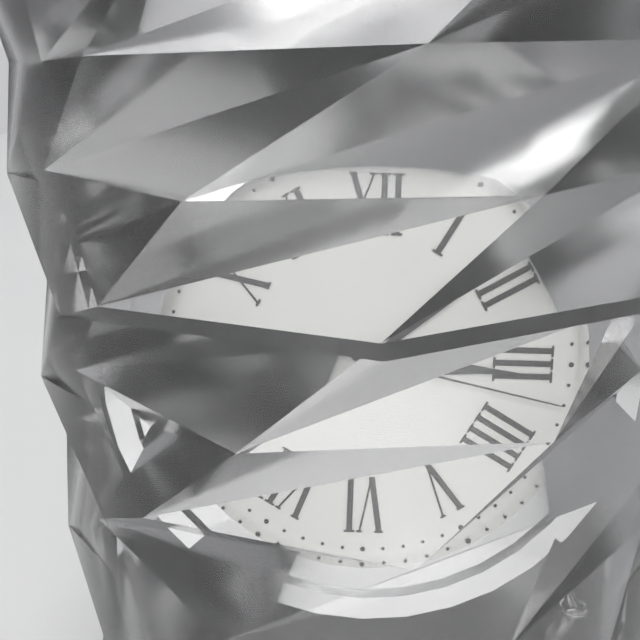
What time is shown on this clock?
3:08:17
